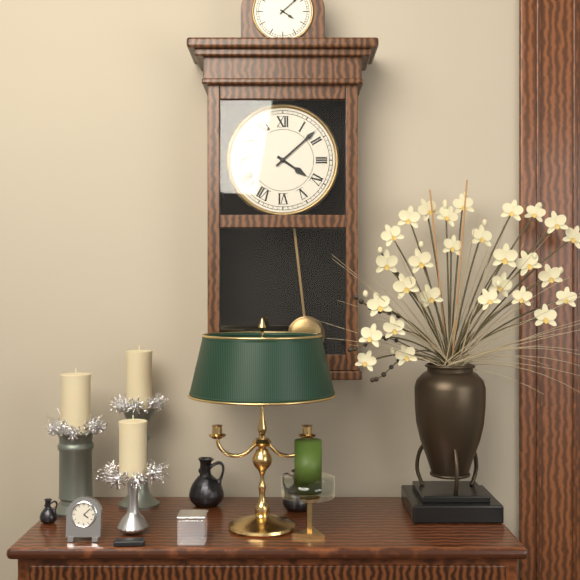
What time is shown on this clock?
4:08
